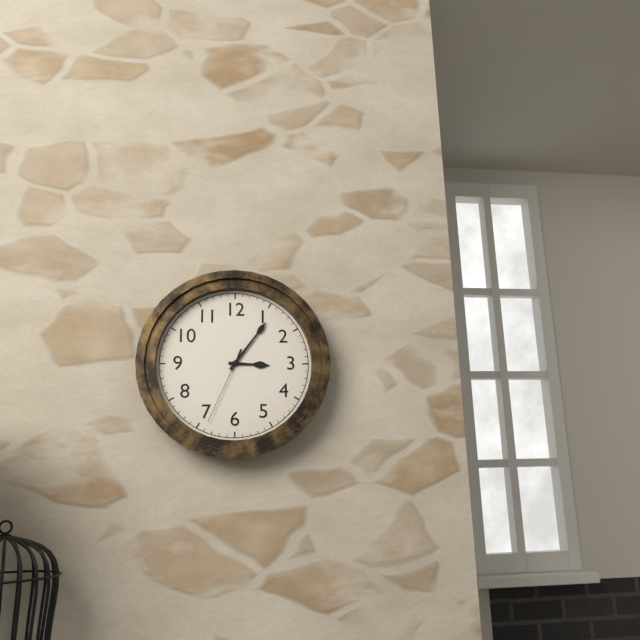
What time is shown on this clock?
3:06:34
